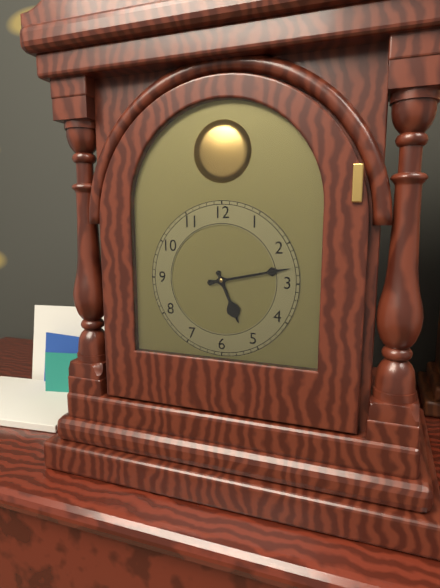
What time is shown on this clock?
5:13
